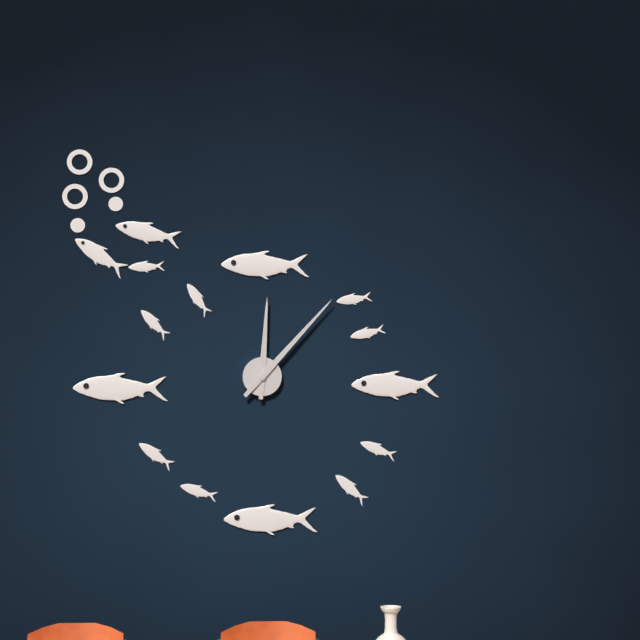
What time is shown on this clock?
12:07
